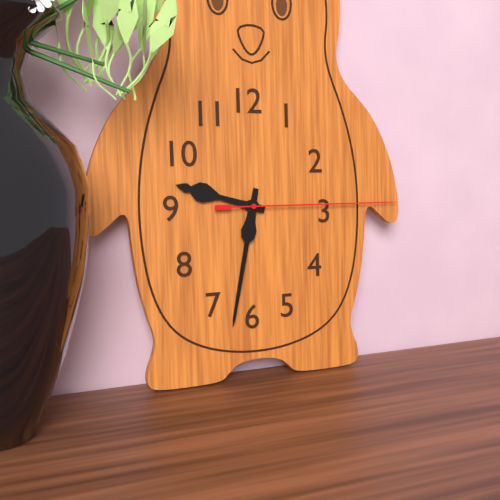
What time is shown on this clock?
9:32:15
